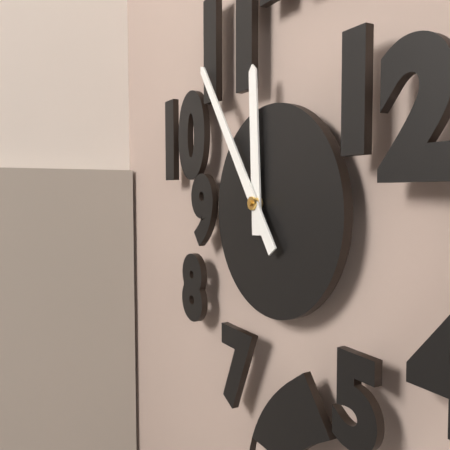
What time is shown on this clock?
11:54
